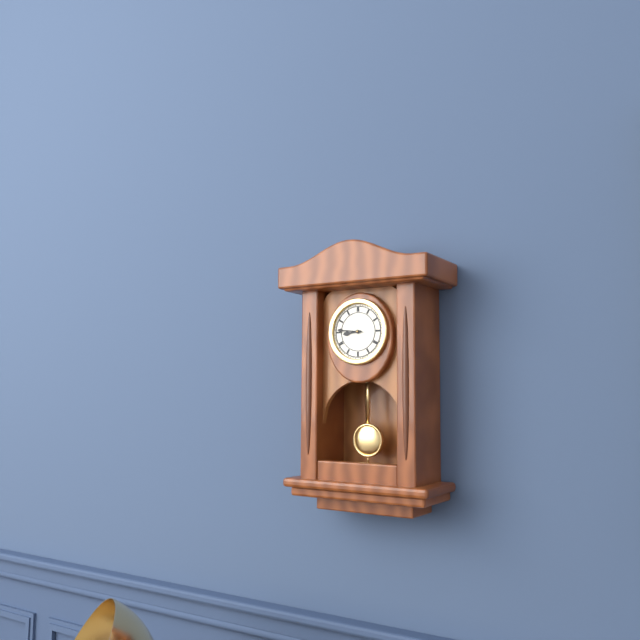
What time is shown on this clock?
8:46
